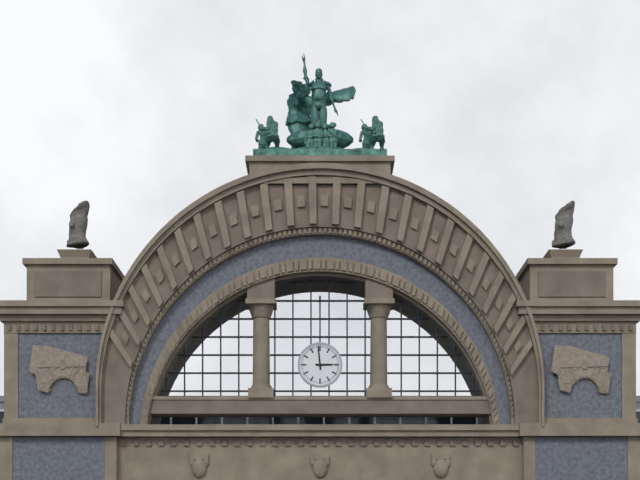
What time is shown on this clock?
2:59
